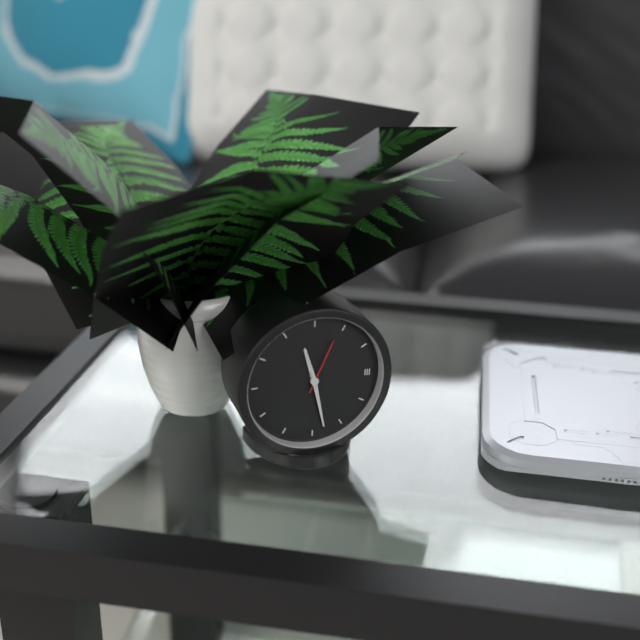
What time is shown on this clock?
11:28:04
